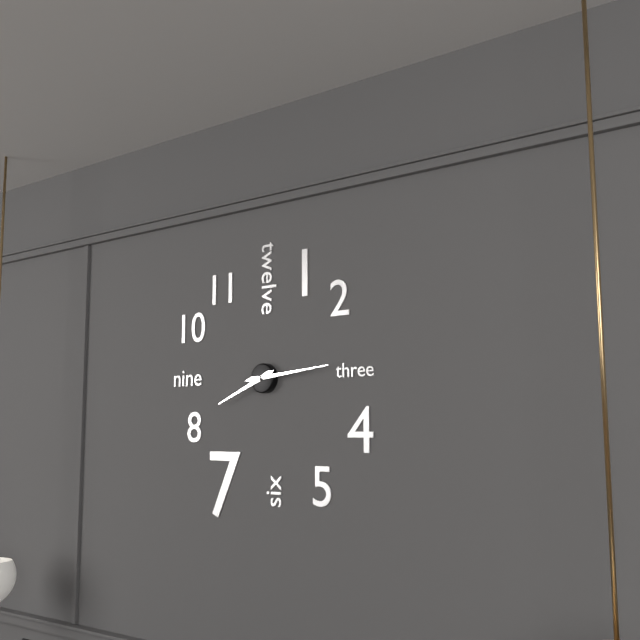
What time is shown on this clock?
8:14
